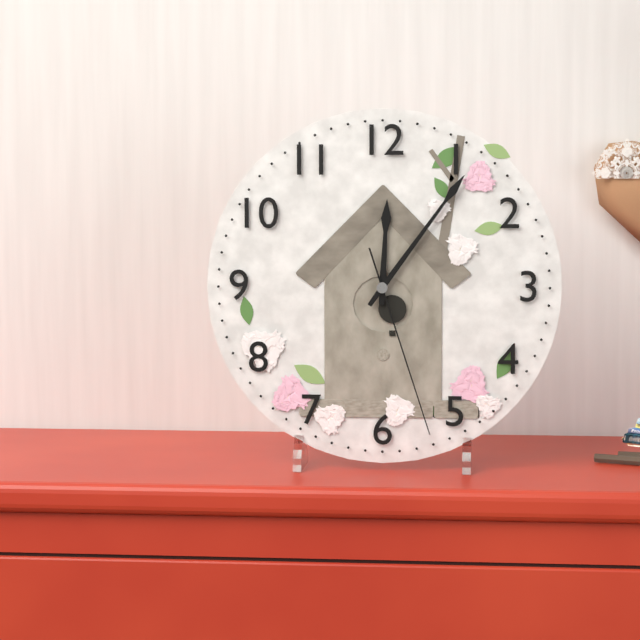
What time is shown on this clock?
12:06:27
